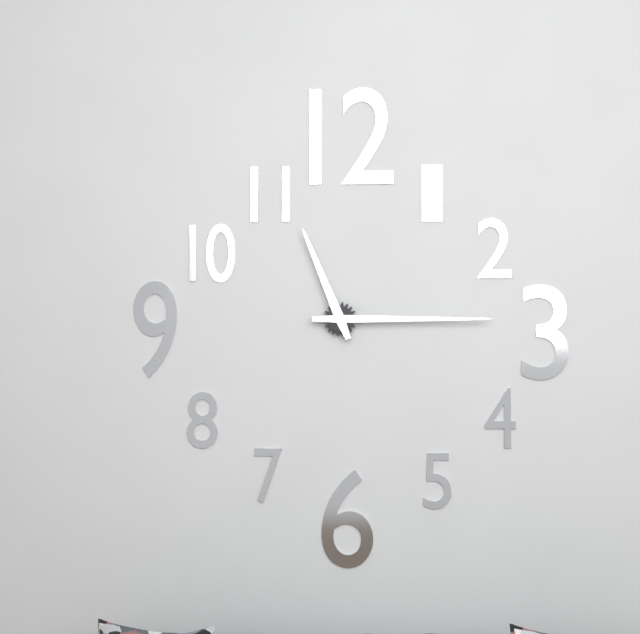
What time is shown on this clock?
11:15
